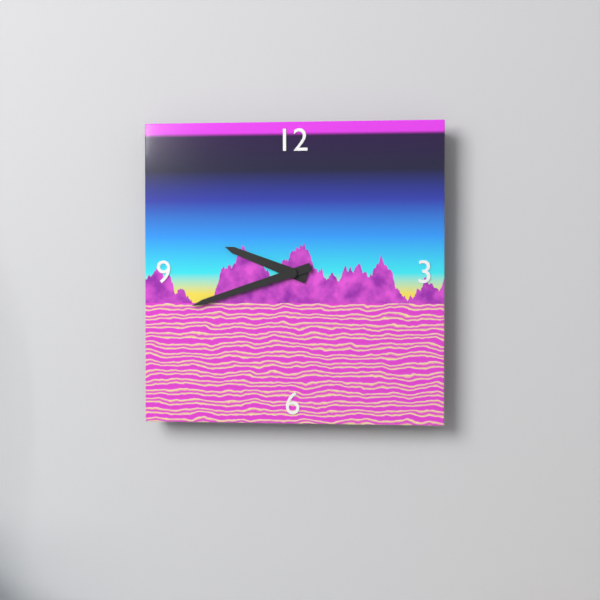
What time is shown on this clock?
9:42
